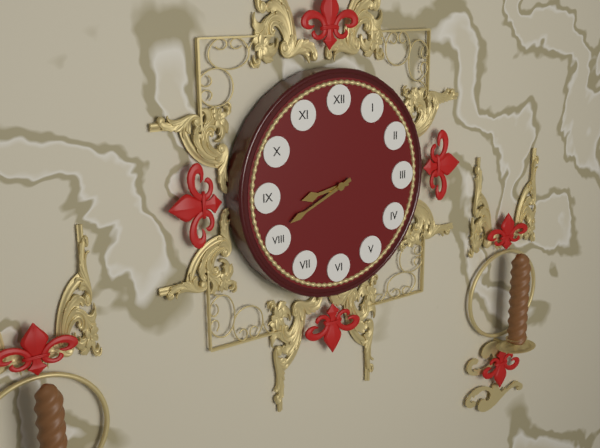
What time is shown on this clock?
8:41
